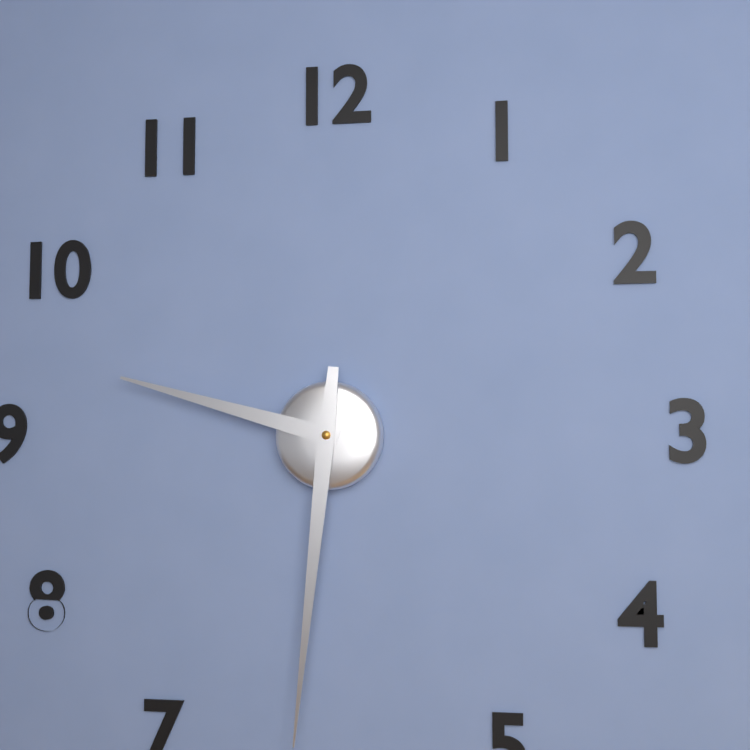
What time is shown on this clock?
9:31
